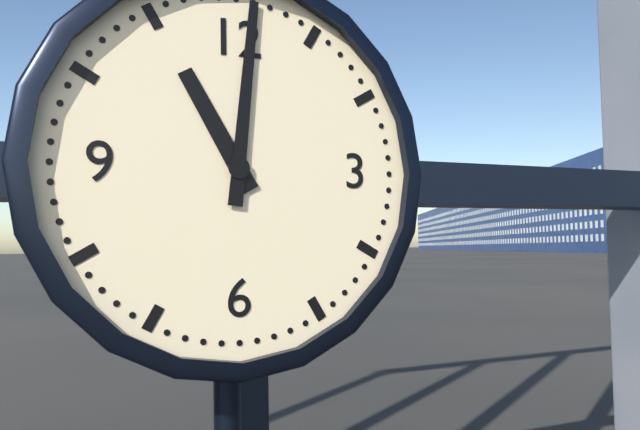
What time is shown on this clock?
11:01
